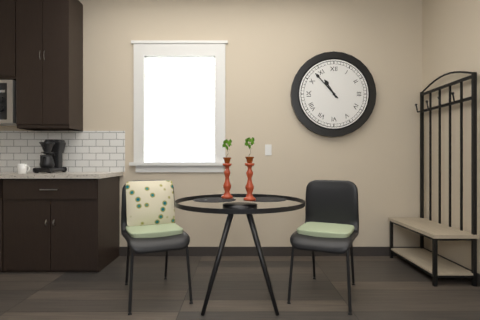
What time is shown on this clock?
10:53
